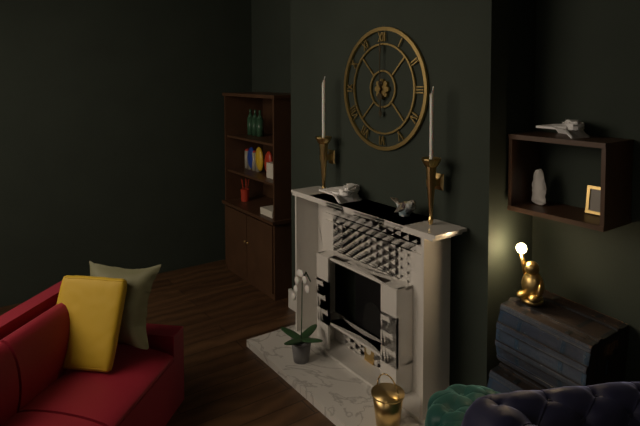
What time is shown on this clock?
6:00
